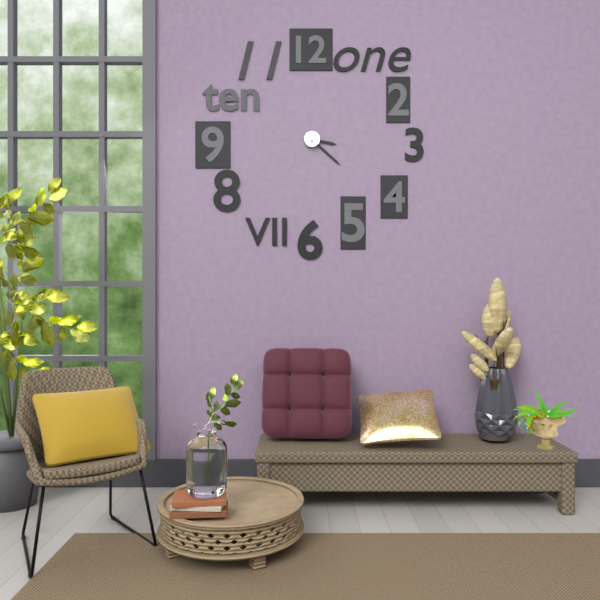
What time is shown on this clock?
3:22
